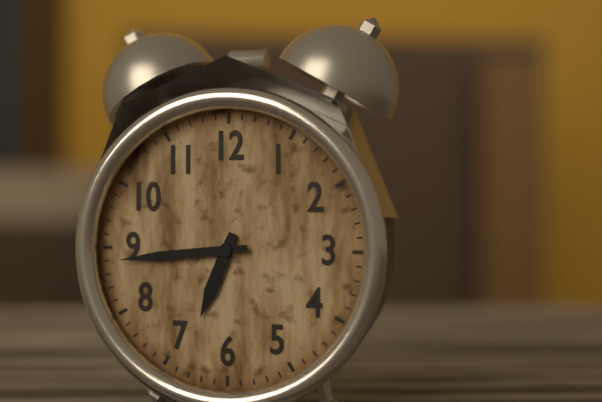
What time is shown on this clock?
6:44
